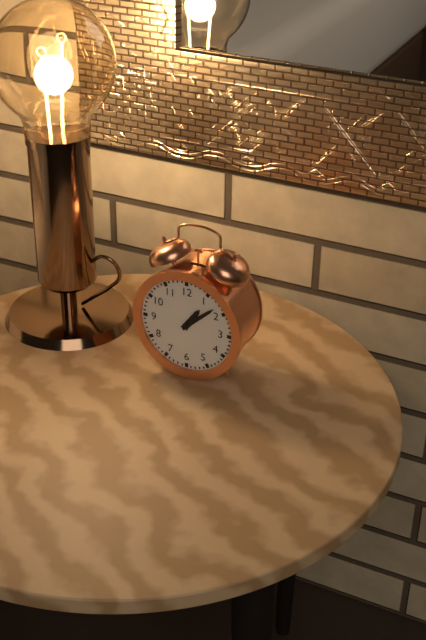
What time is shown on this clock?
1:08
